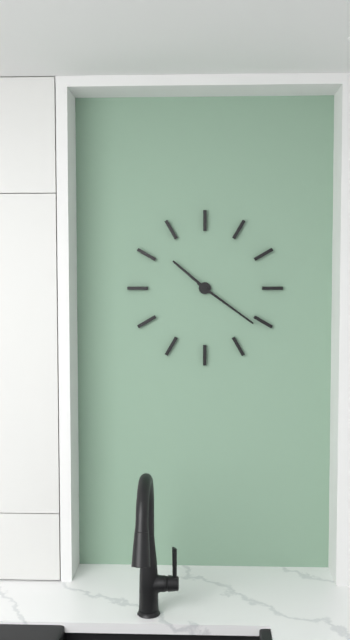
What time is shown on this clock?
10:21
